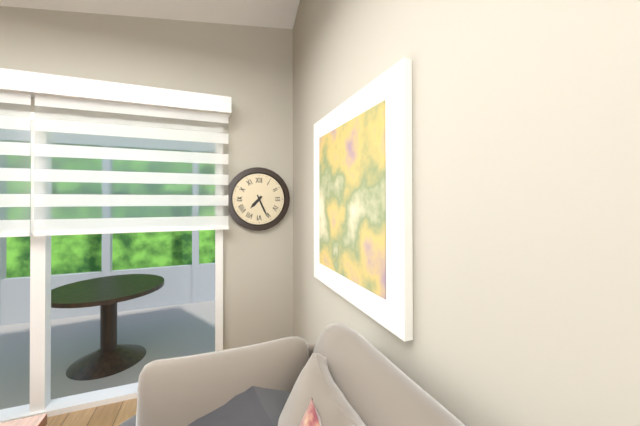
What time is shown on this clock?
7:26
